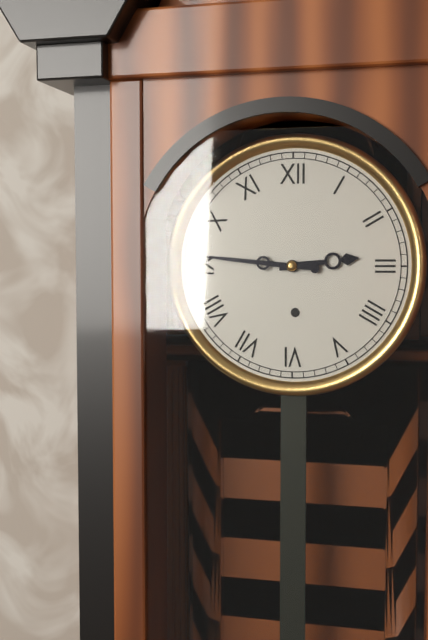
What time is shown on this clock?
2:46
